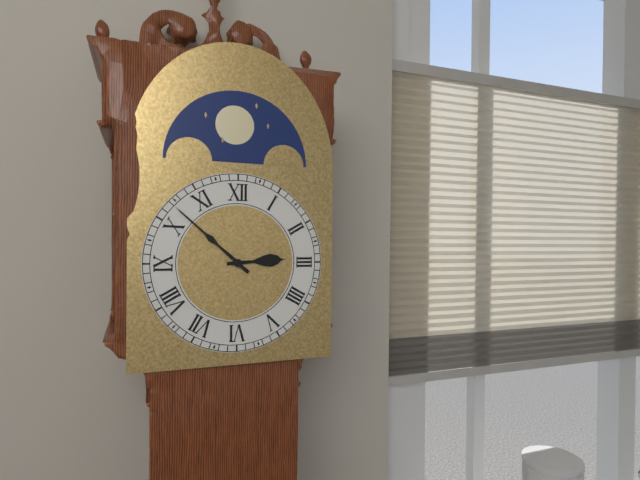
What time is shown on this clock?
2:52
